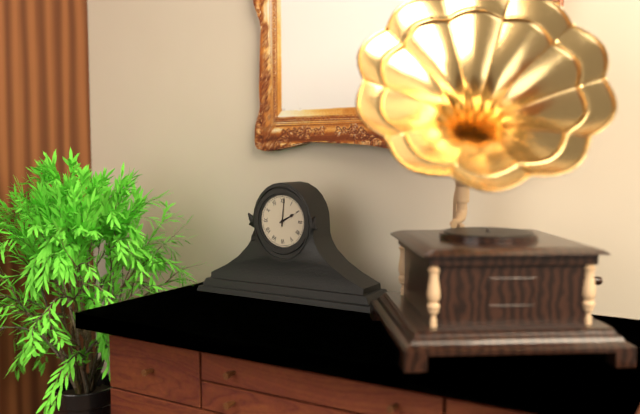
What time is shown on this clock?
2:01
